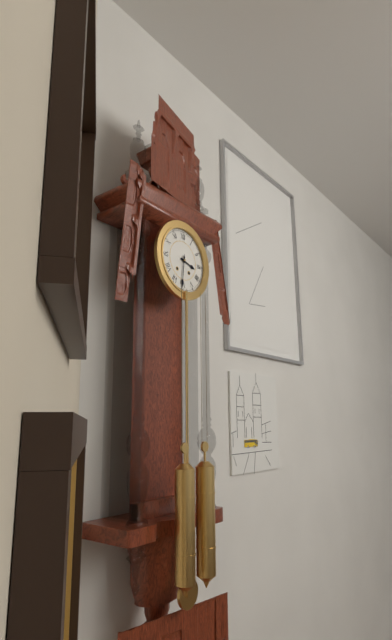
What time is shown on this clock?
3:31
